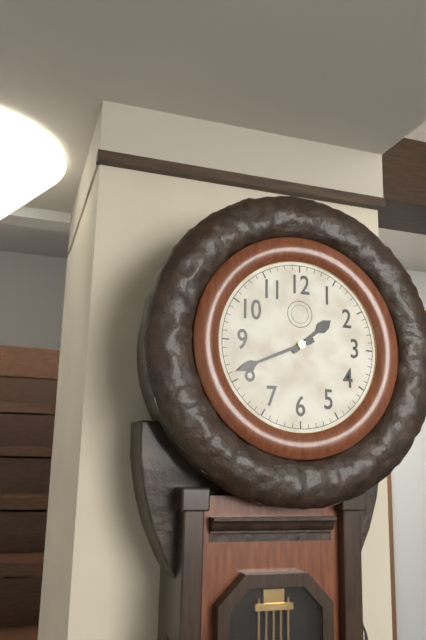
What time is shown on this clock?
1:41
